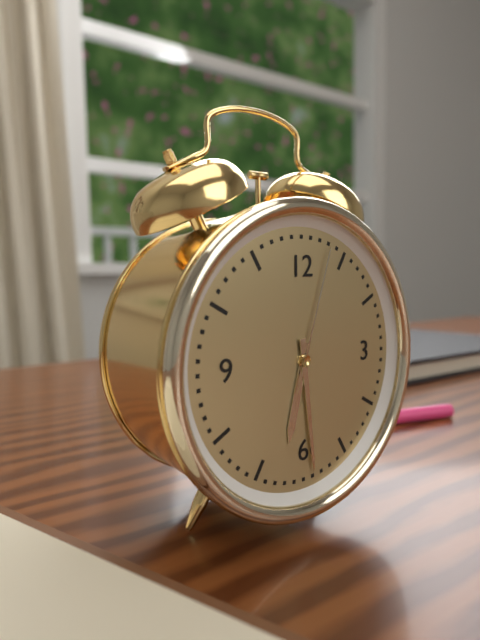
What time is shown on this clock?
6:29:03
